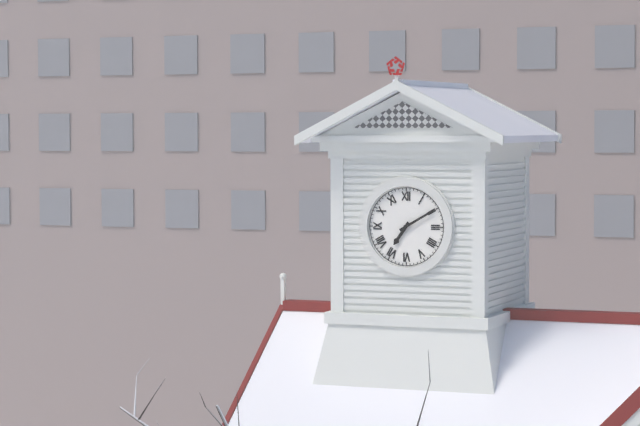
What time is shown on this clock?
7:10
